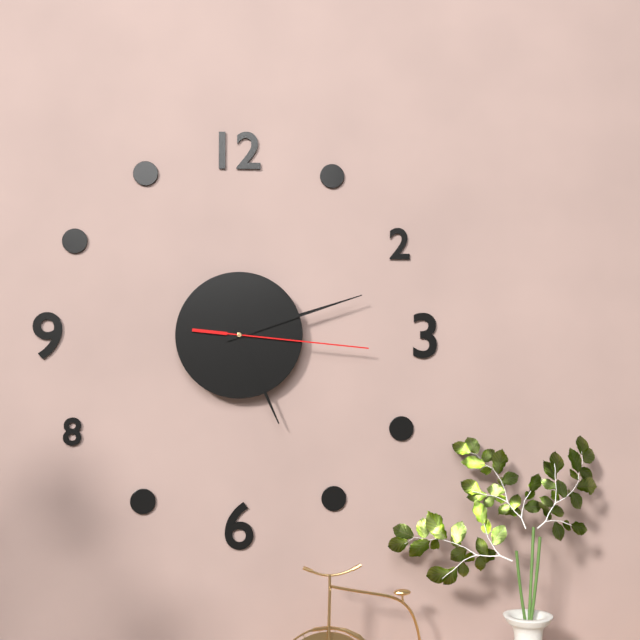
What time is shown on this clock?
5:12:16
